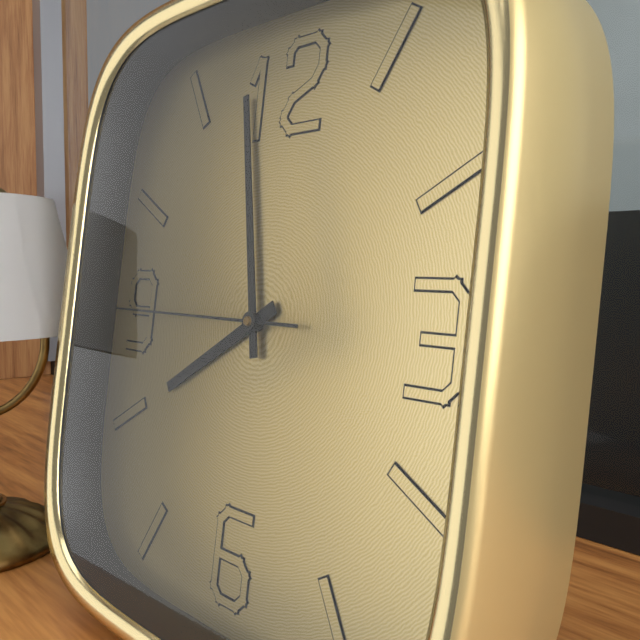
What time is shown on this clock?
7:58:45
